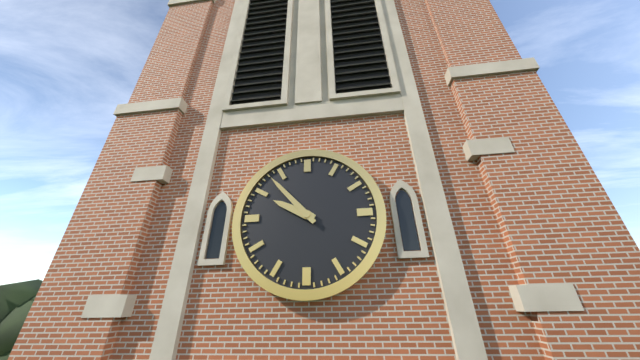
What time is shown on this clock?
9:53
